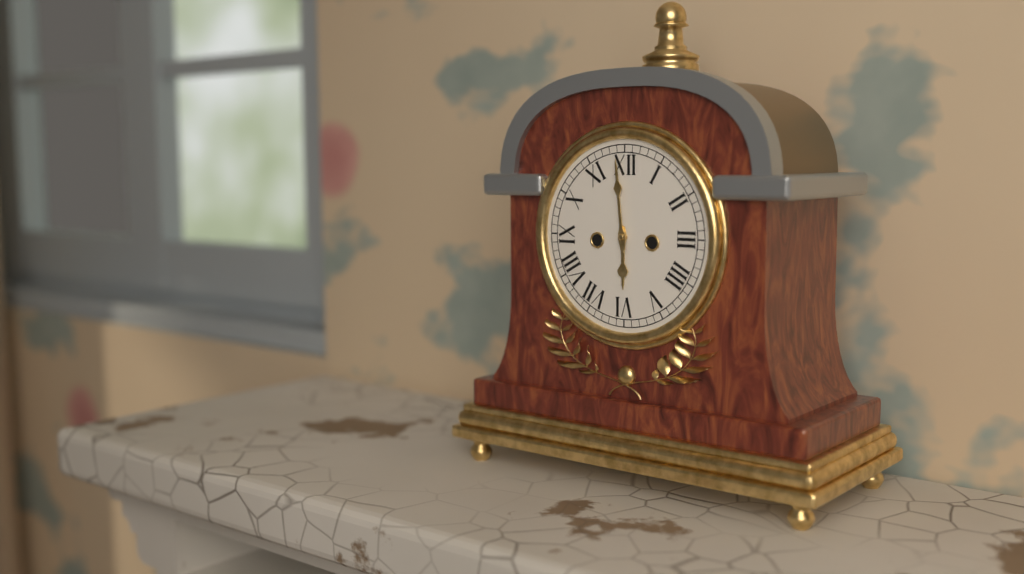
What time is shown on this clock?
5:59
